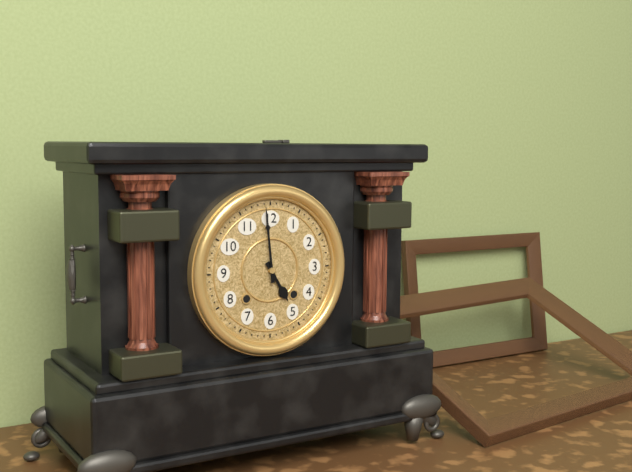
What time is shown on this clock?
4:59
